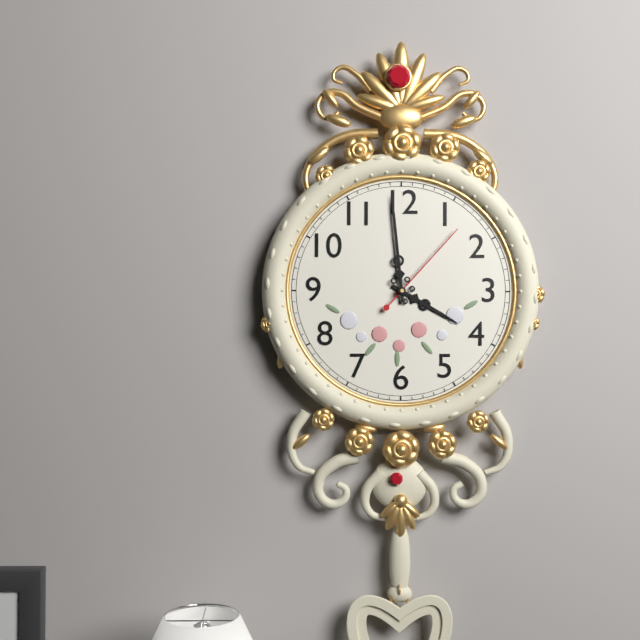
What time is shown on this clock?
3:59:07
